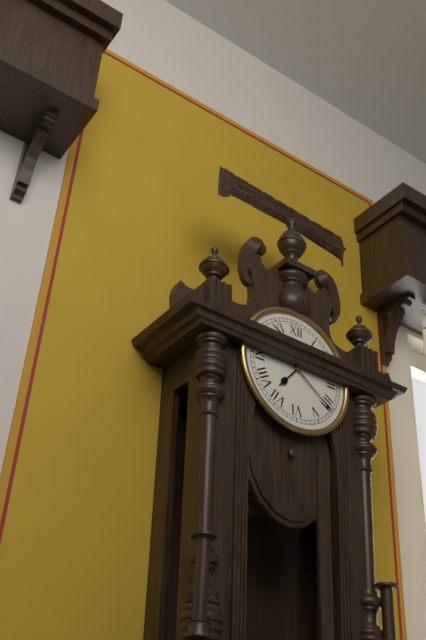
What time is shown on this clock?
7:21
